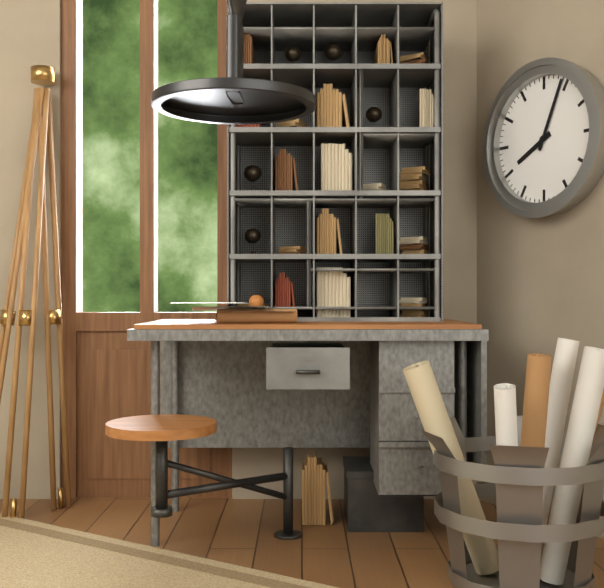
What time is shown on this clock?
8:04
